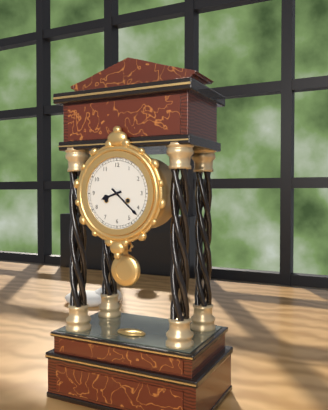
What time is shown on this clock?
8:22
